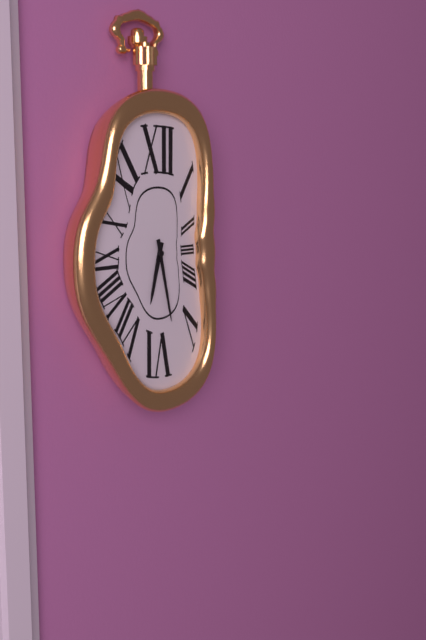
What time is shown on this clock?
6:28
